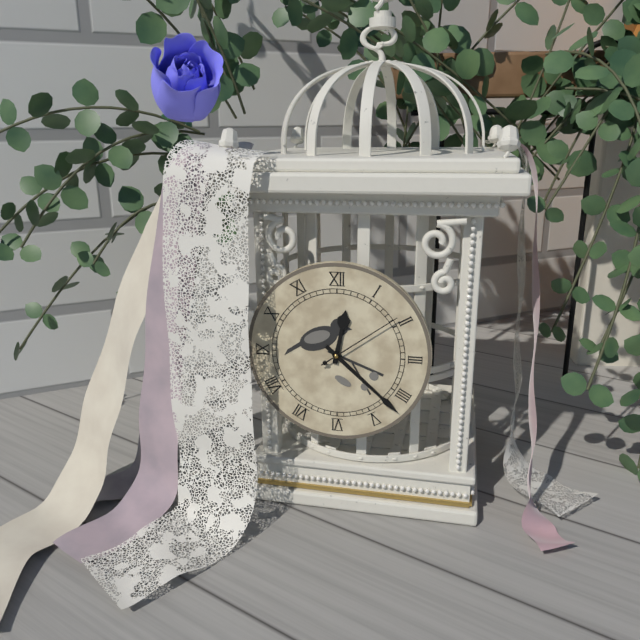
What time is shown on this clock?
12:22:09
